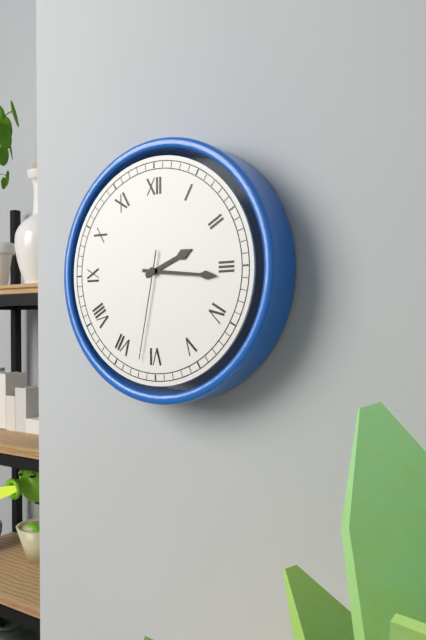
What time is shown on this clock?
2:16:32
